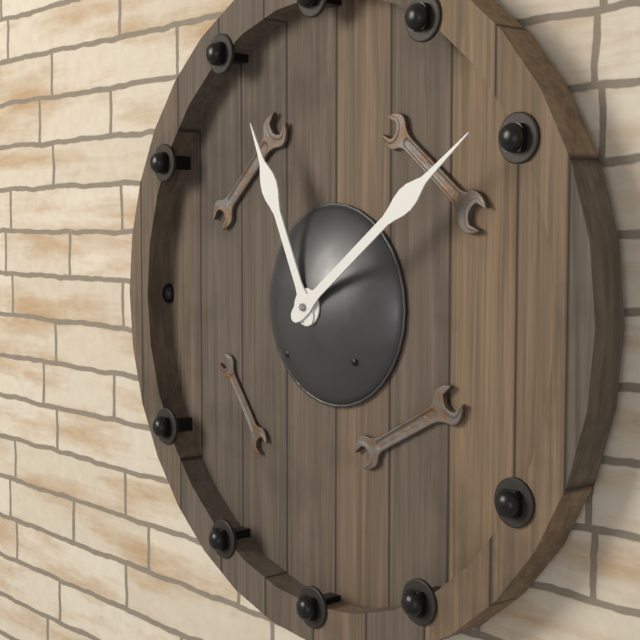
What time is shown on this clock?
11:09
